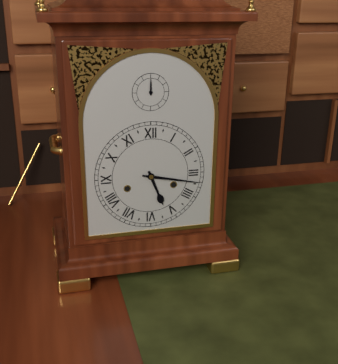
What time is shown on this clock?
5:17
